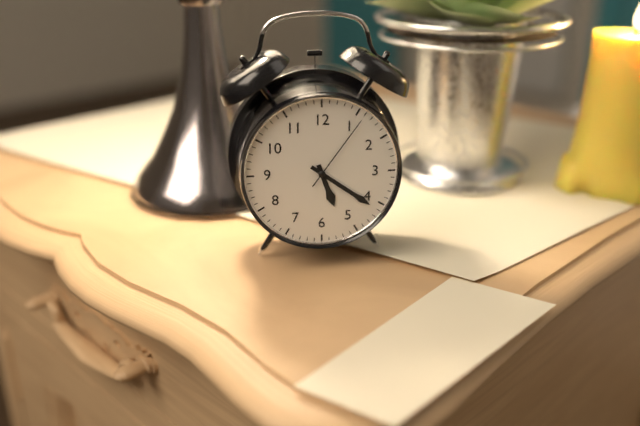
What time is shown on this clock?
5:21:06
